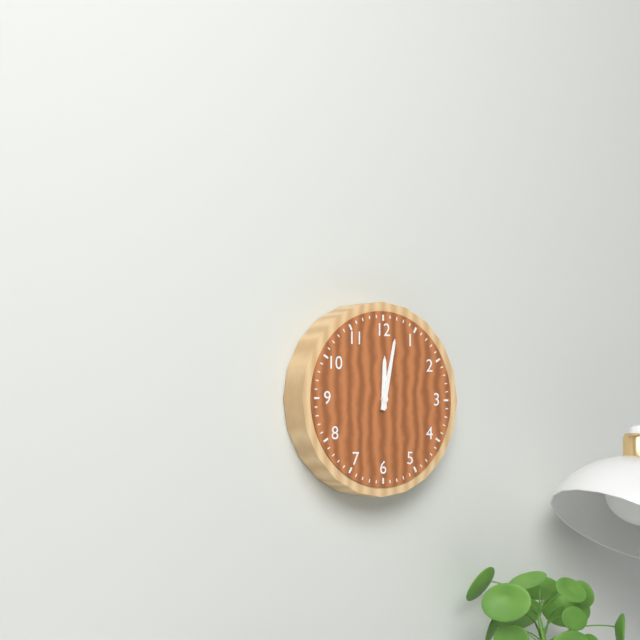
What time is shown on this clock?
12:02
